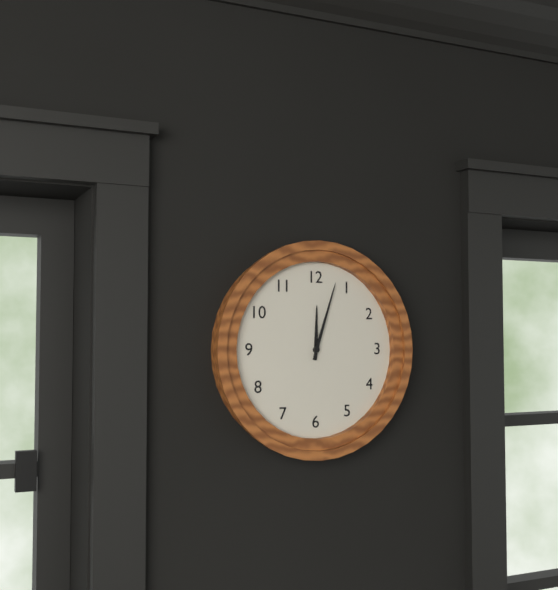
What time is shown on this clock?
12:03
